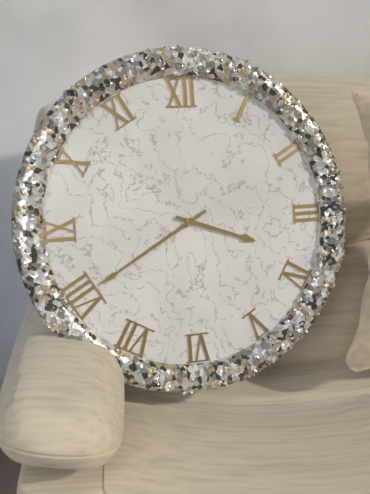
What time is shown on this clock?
3:40
